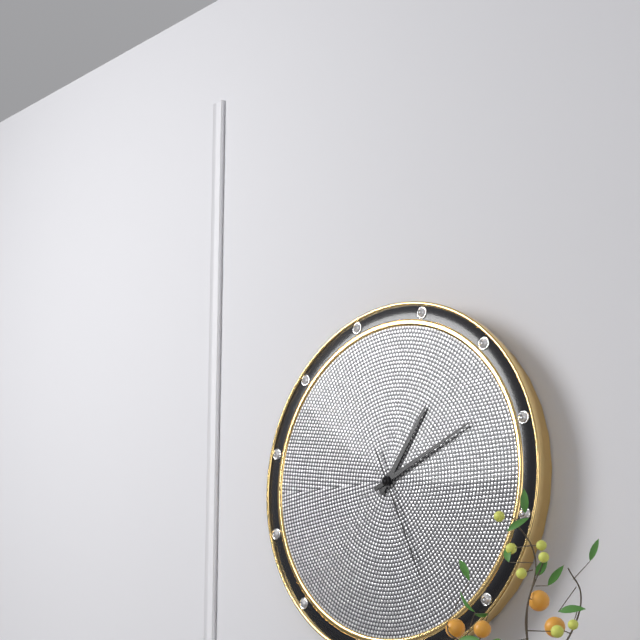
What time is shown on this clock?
1:11:26
